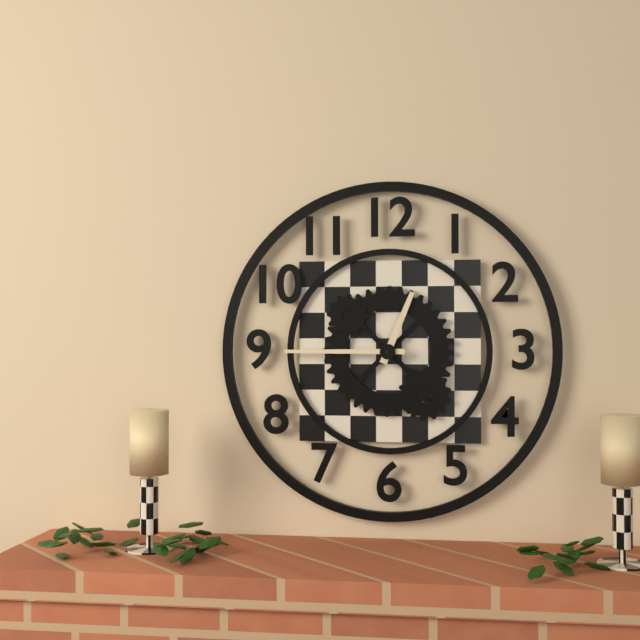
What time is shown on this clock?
12:45
